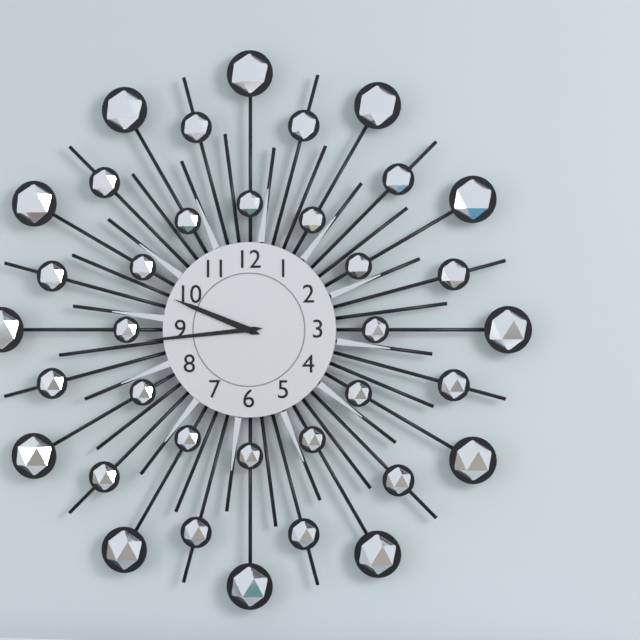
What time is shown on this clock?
9:44
